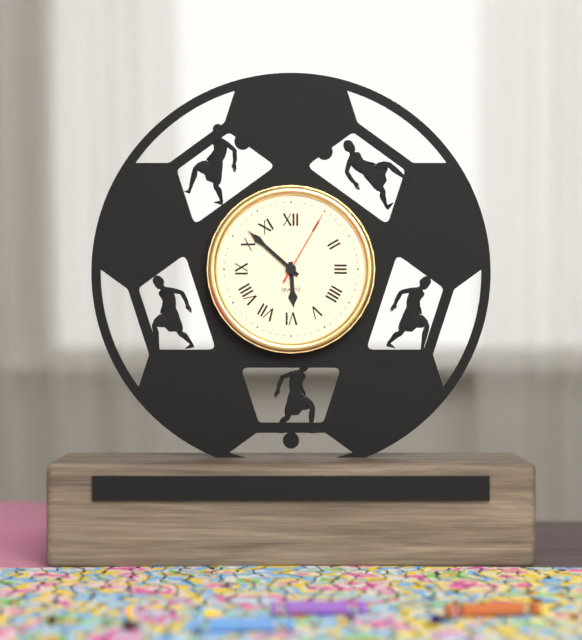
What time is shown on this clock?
5:52:05
